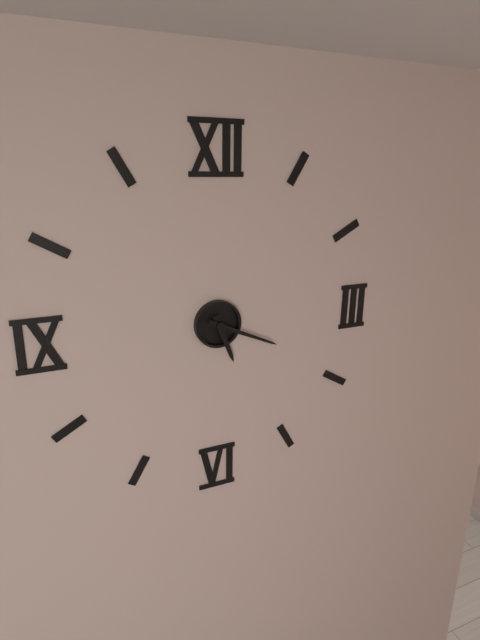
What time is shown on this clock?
5:19
